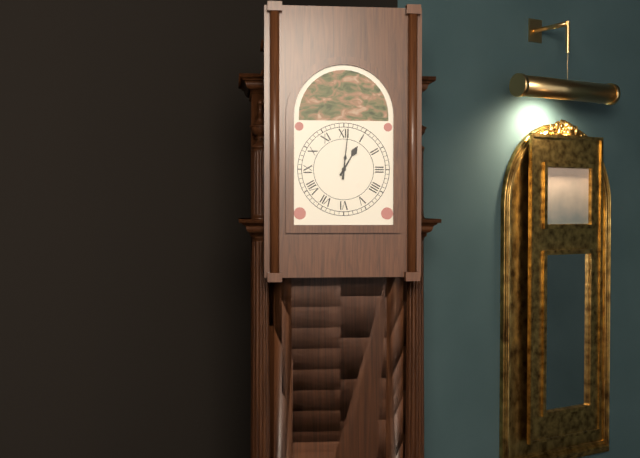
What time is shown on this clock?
1:01
